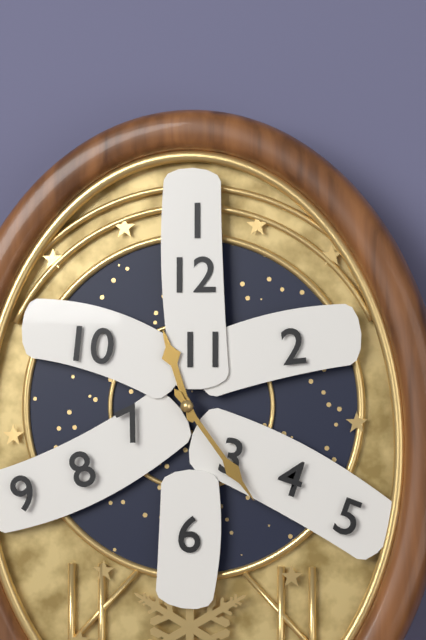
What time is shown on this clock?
11:24
